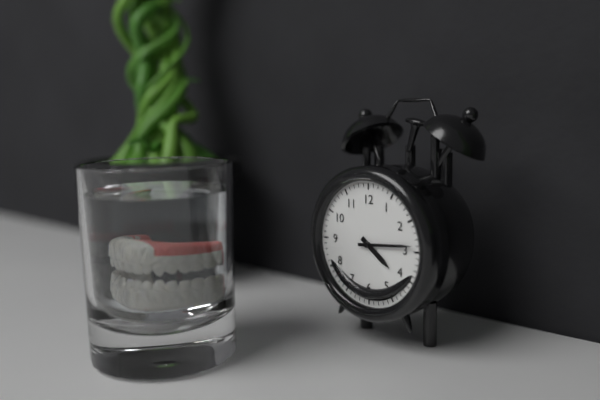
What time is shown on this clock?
4:14
